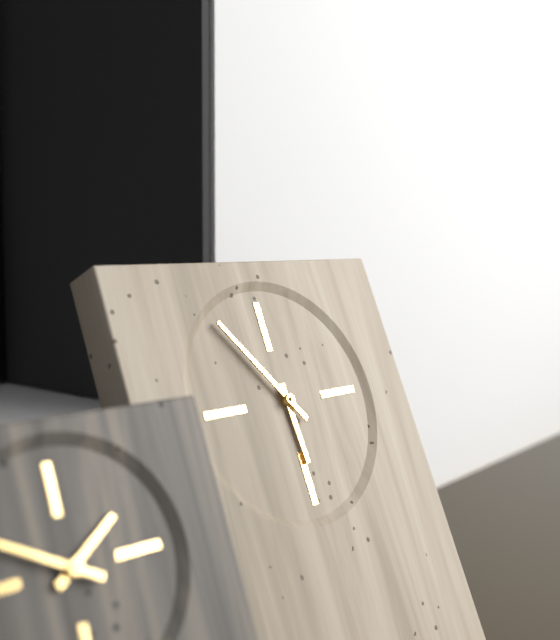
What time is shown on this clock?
5:54
